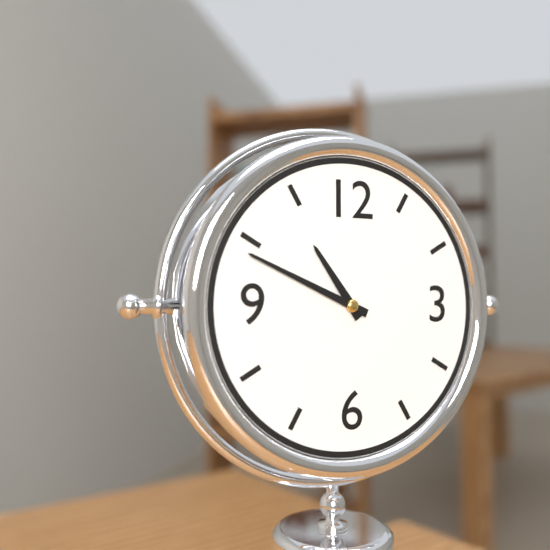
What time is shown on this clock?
10:49
